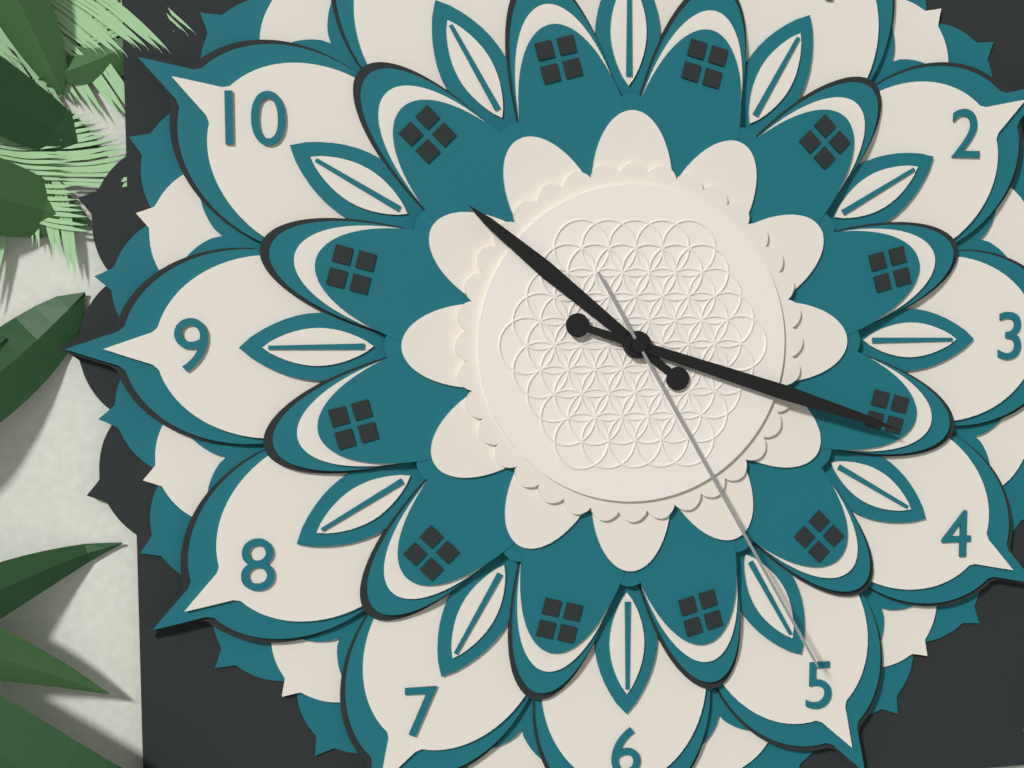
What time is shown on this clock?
10:18:25
